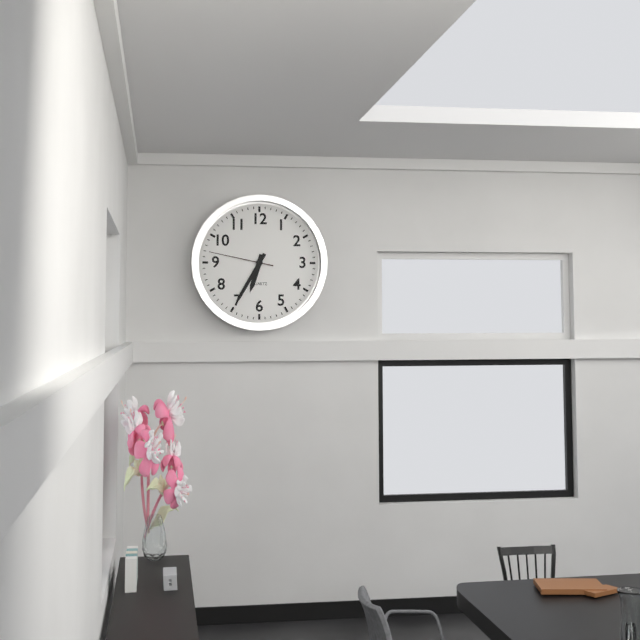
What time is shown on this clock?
6:35:47
